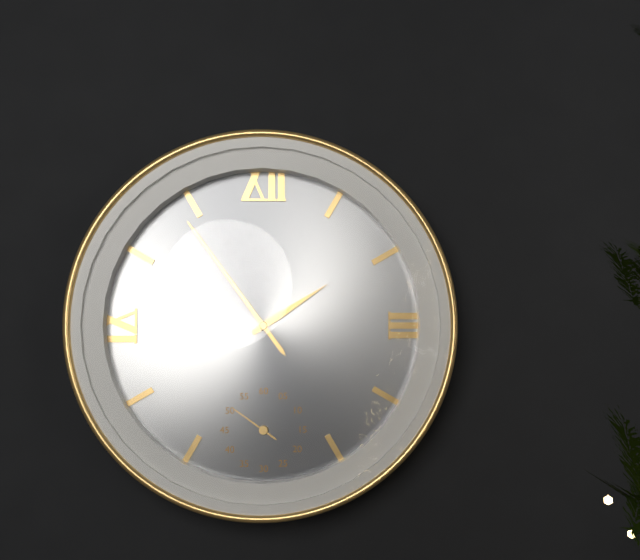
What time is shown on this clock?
1:54
